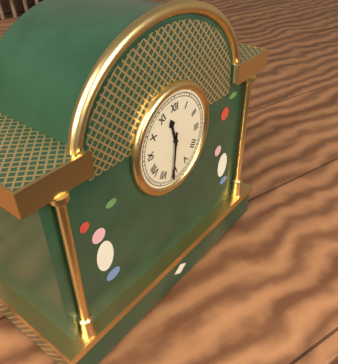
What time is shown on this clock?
11:31
